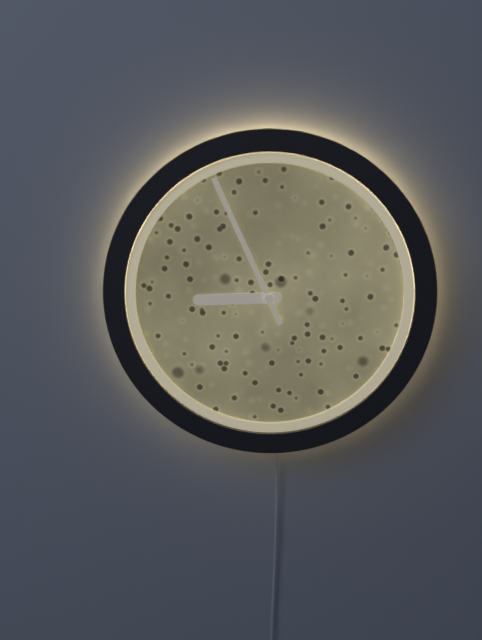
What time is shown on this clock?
8:56
